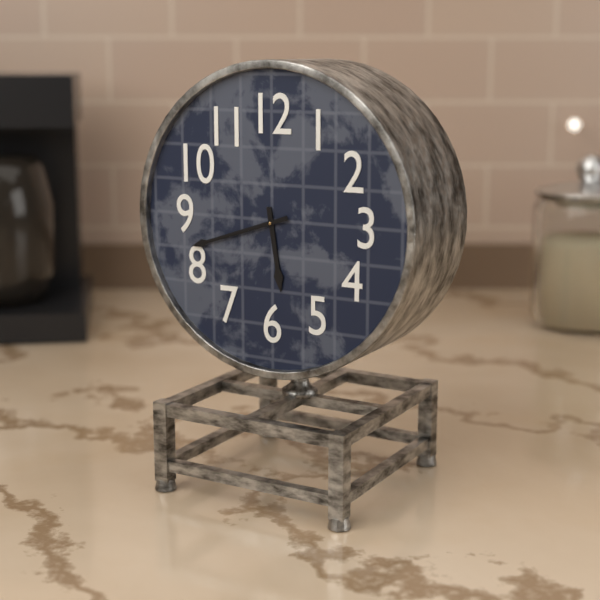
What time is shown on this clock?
5:42
